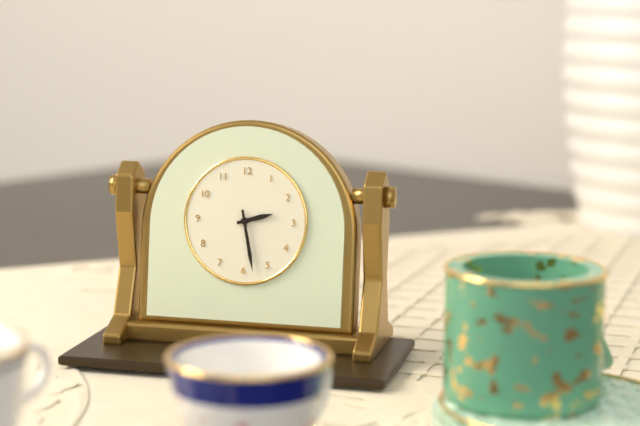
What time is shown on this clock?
2:28
